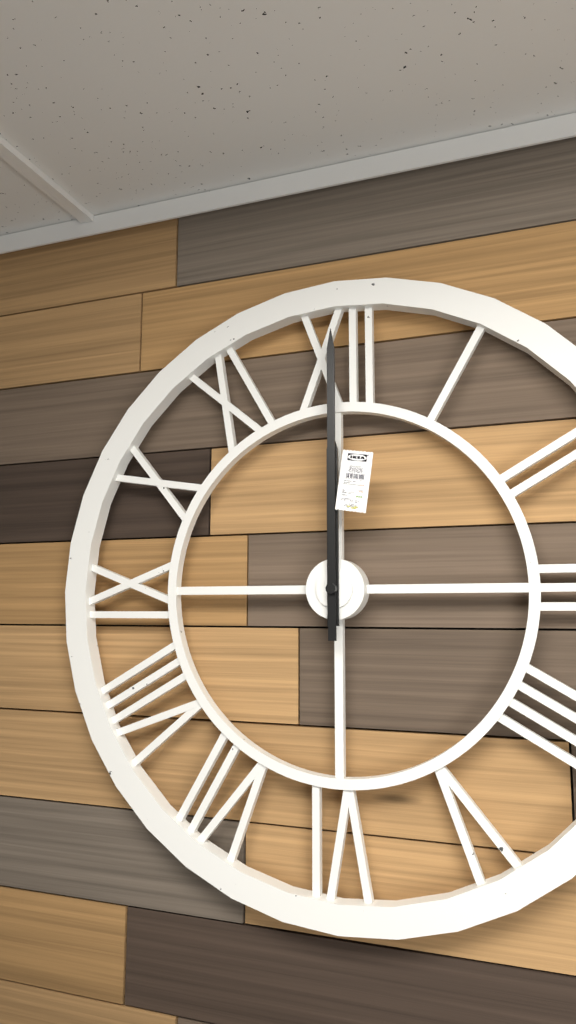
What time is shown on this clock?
12:00
